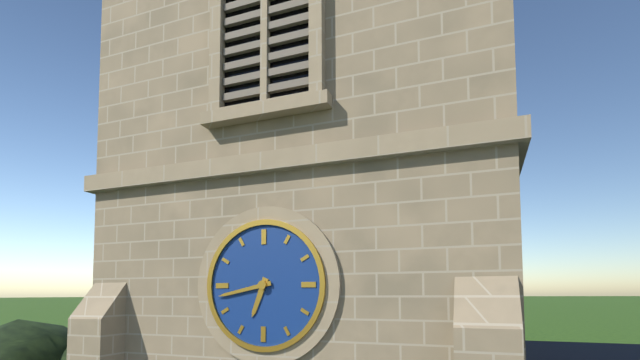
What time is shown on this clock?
6:43
